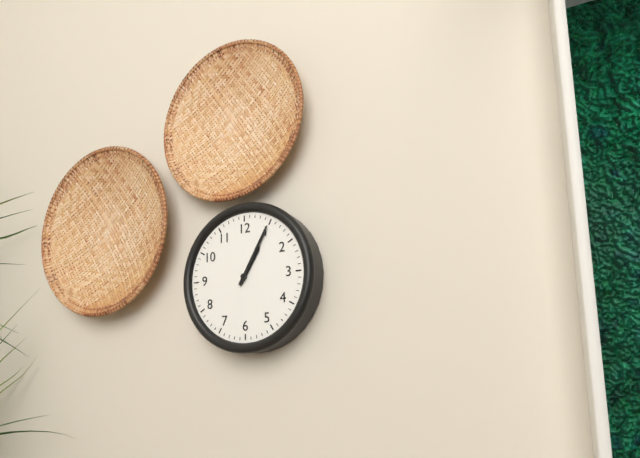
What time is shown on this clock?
1:05
